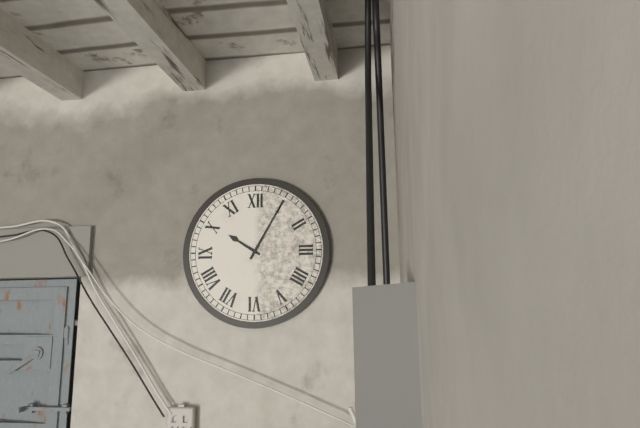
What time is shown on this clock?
10:05
